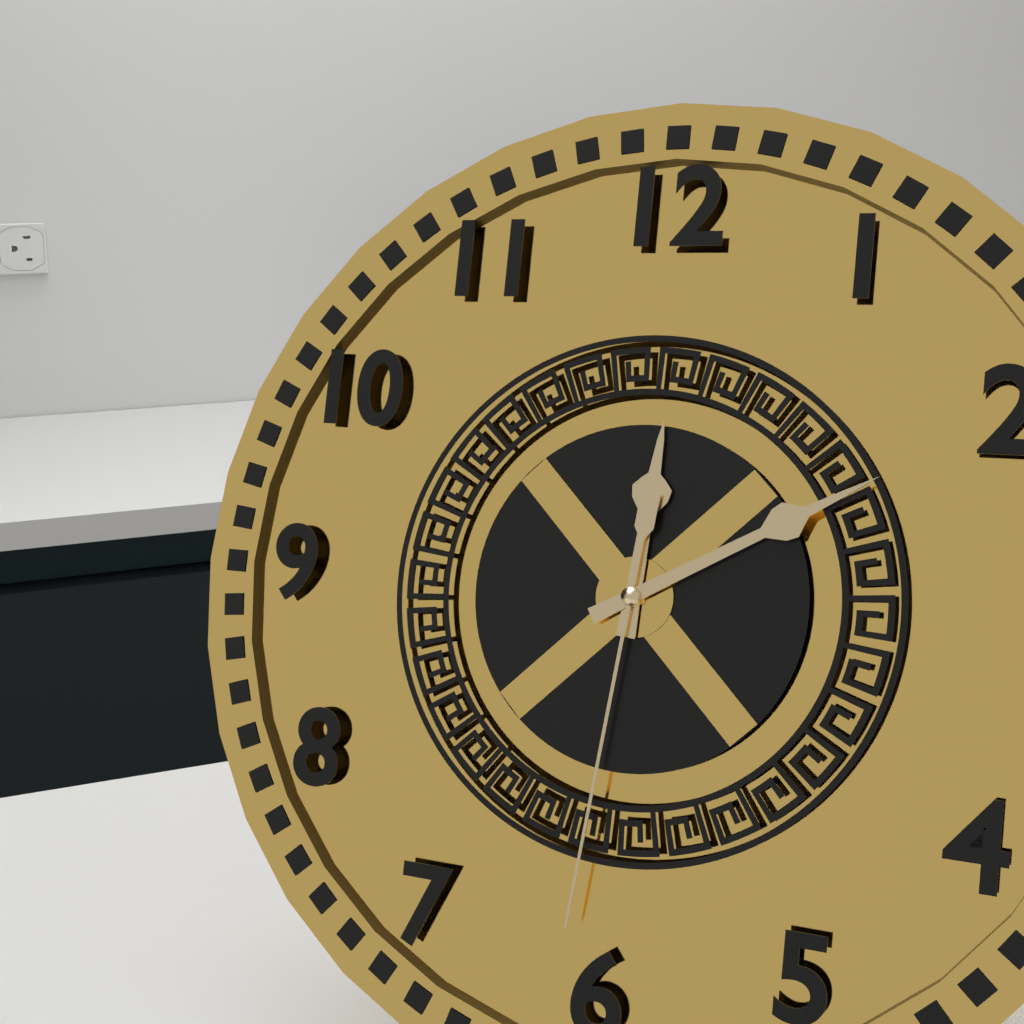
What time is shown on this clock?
12:10:31
